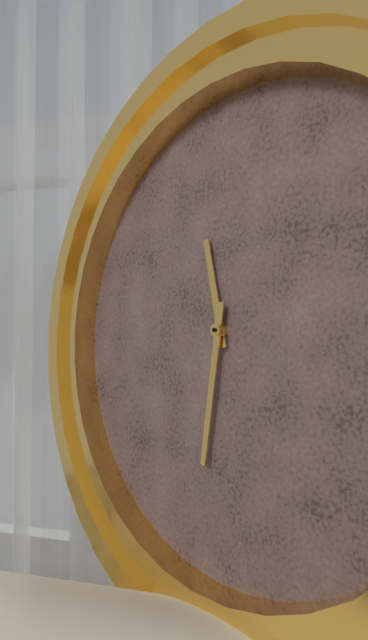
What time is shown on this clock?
11:31
